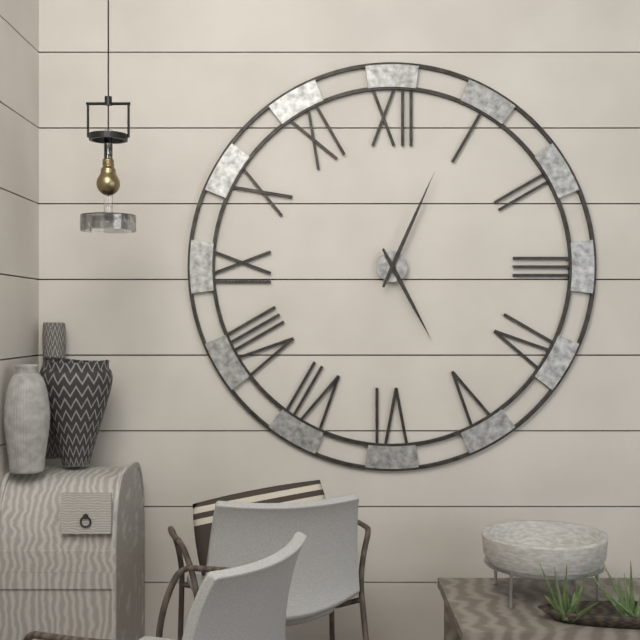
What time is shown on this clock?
5:04
